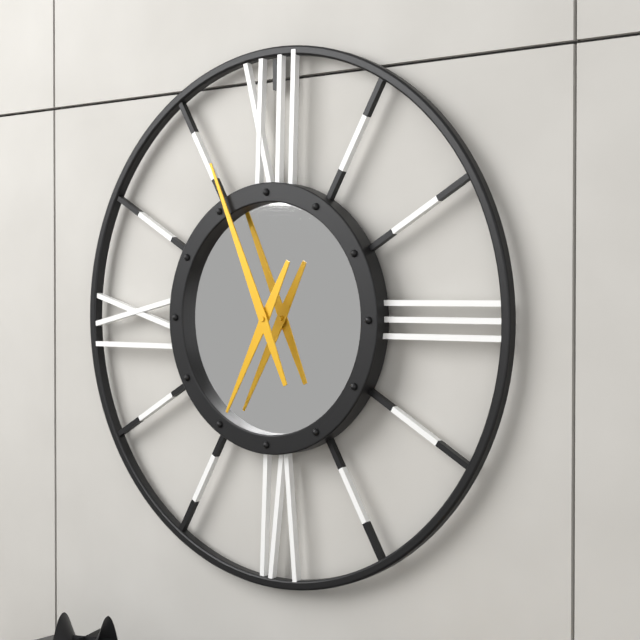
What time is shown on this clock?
6:56
